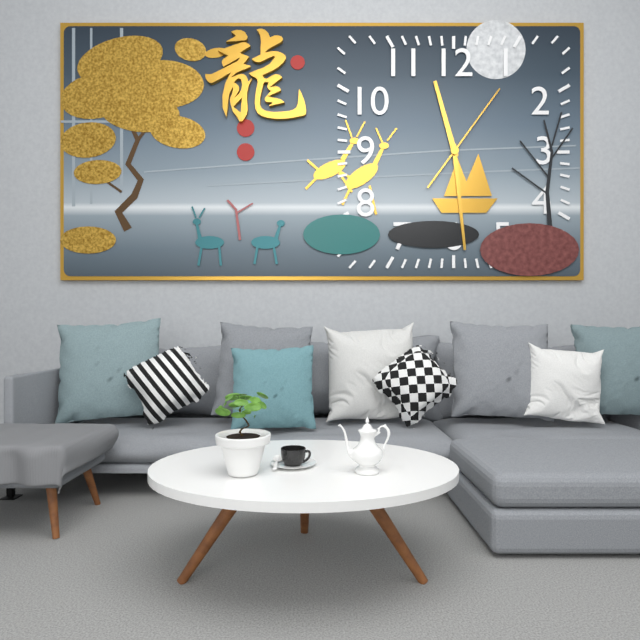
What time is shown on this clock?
11:29:06
